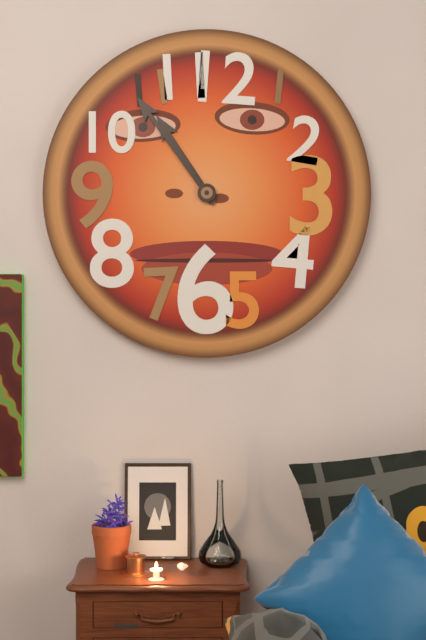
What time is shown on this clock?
10:54
